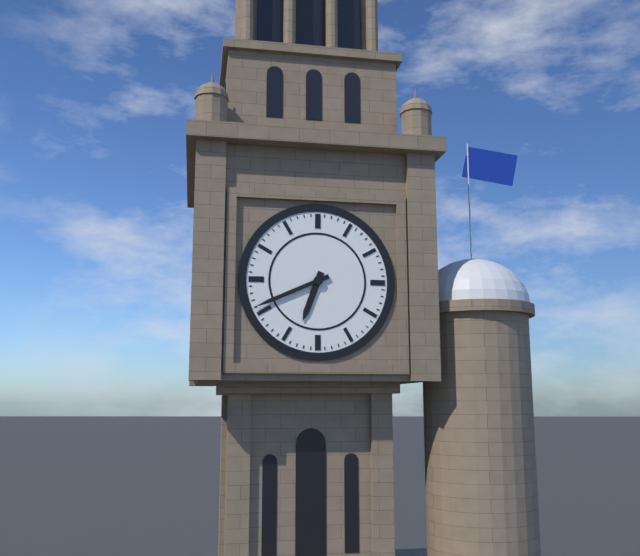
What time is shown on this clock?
6:41
